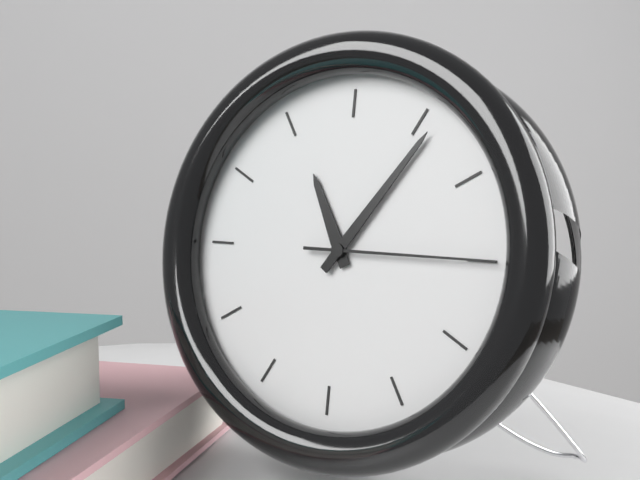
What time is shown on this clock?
11:06:15
